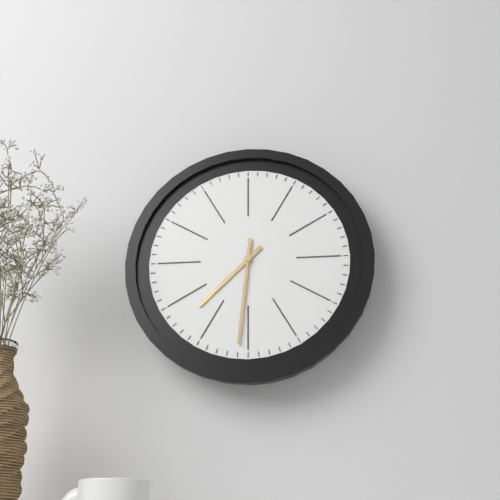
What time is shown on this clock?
7:31
